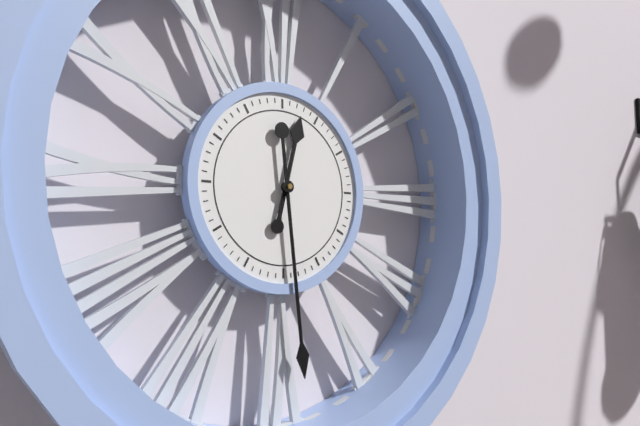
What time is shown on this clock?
12:29
